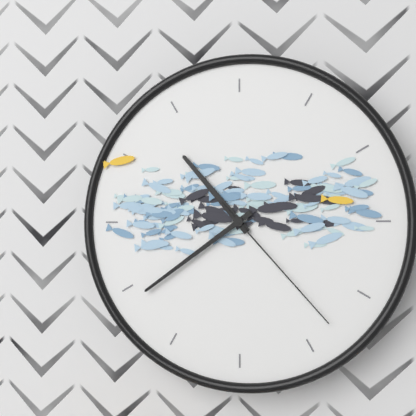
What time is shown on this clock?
10:39:23
